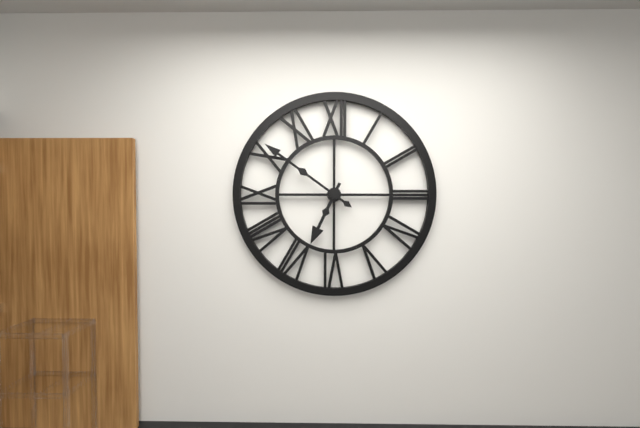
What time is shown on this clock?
6:51
